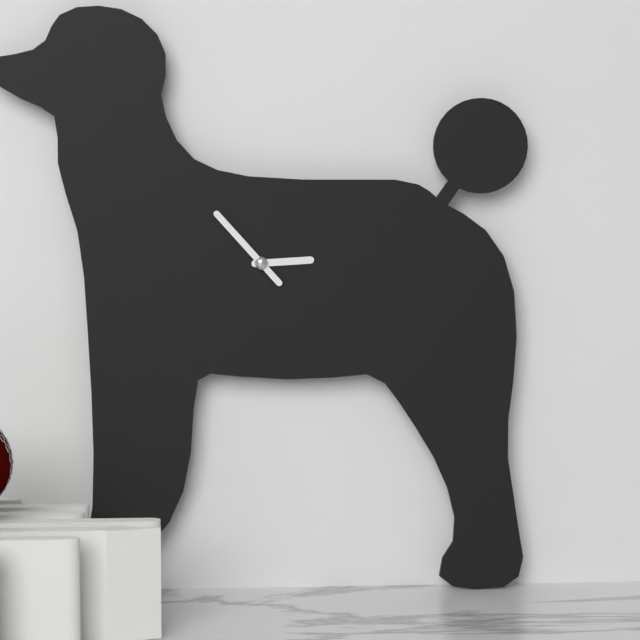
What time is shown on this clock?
2:53
